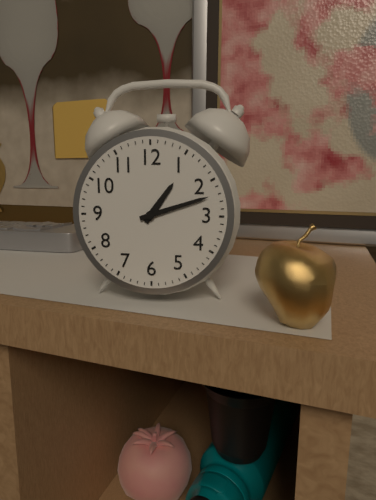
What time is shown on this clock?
1:12
